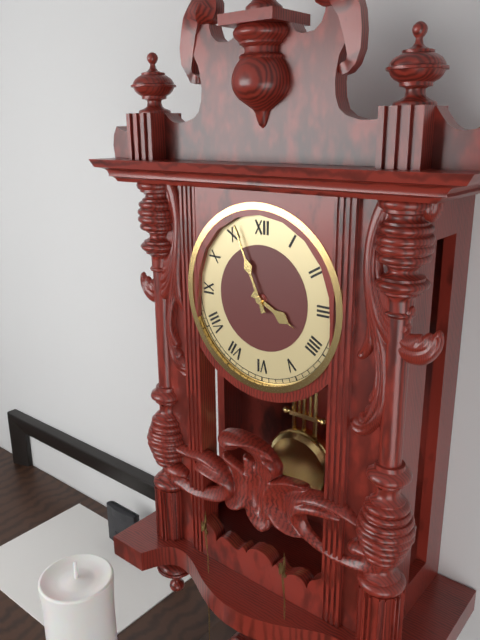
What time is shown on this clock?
3:56
